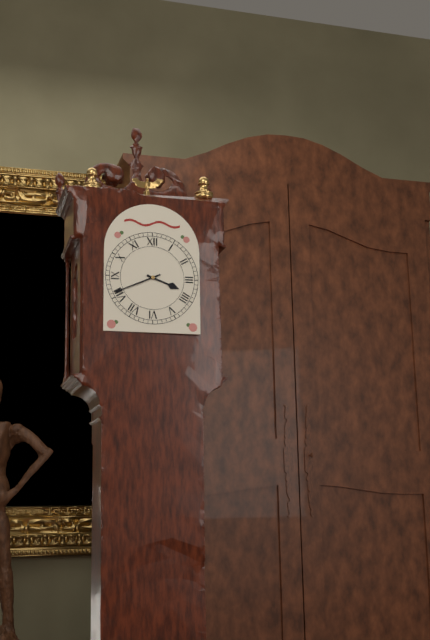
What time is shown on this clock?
3:41
